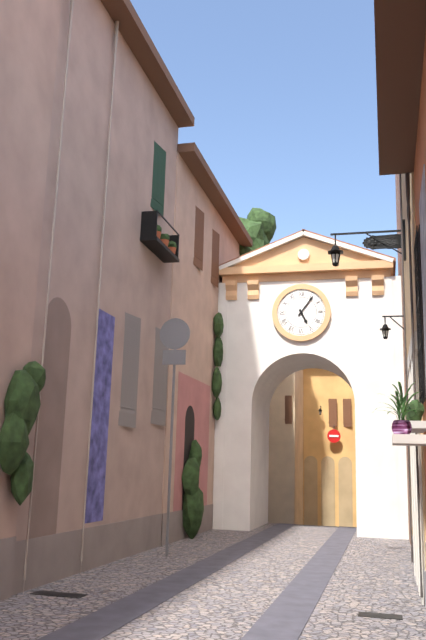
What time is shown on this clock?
5:06
